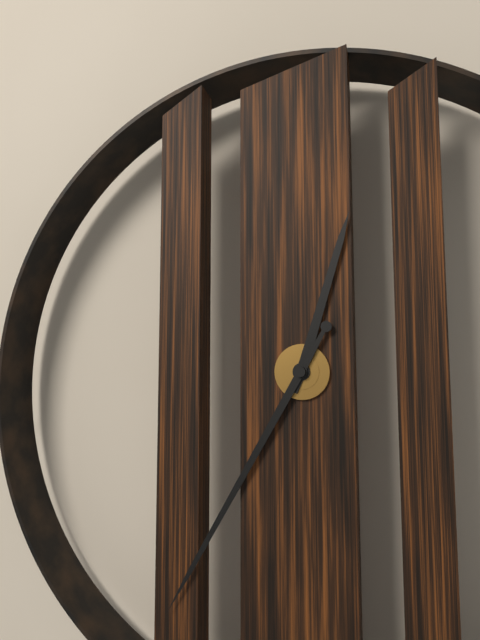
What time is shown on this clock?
12:35
